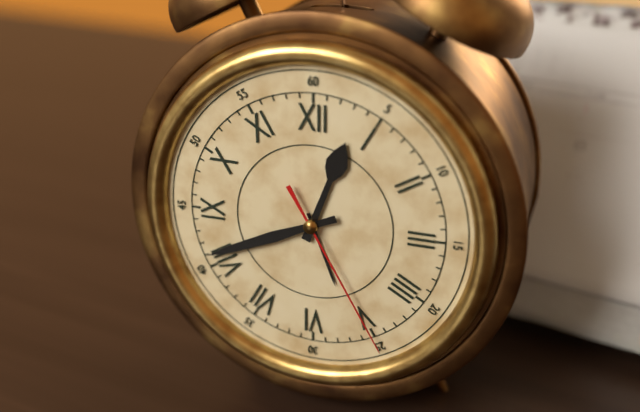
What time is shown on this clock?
12:41:25
